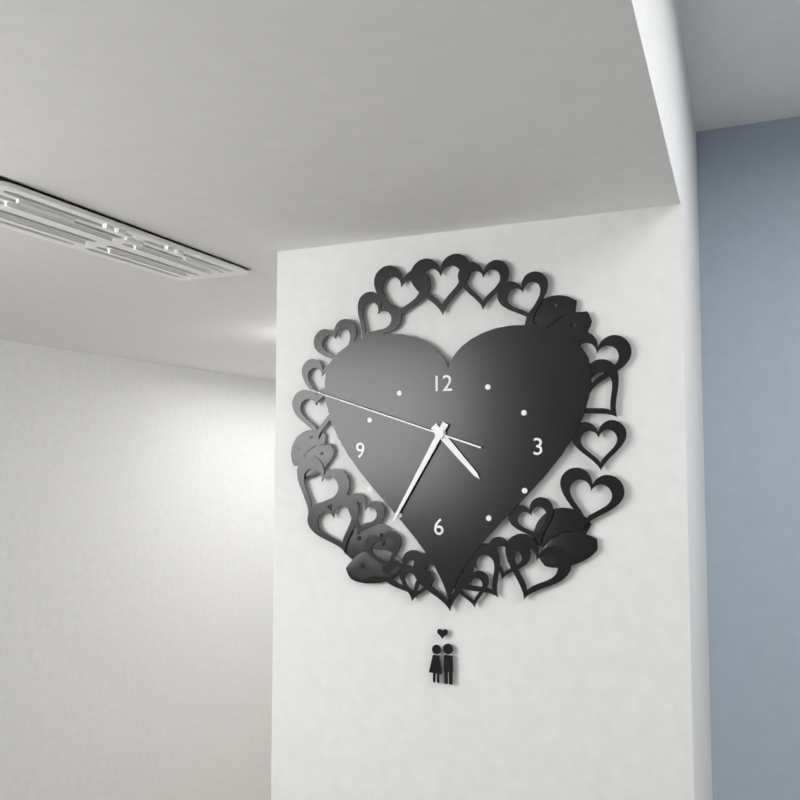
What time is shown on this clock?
4:35:48
